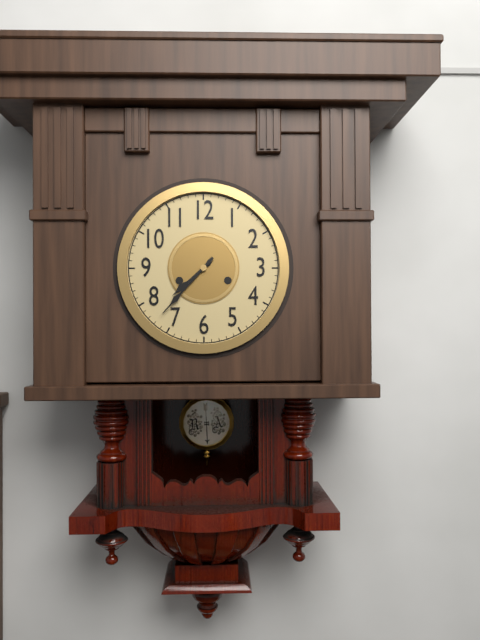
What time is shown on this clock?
7:37
